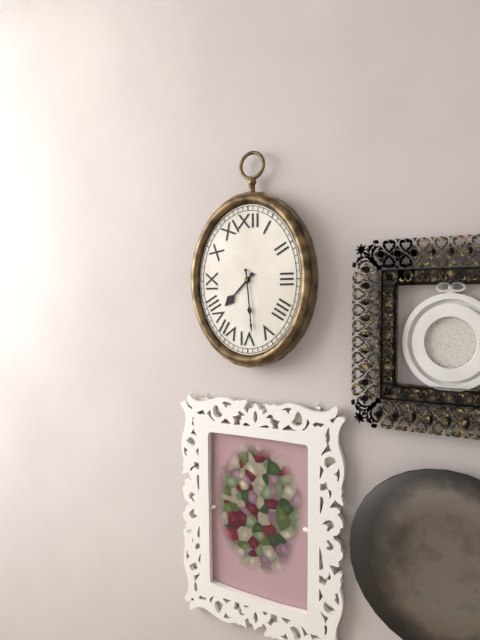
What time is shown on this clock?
7:29
